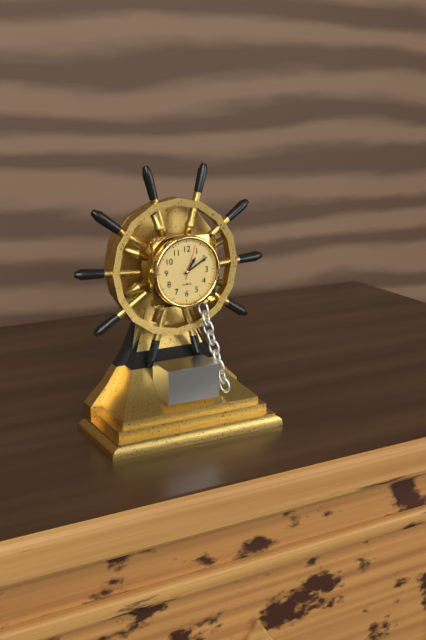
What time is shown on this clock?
1:10
